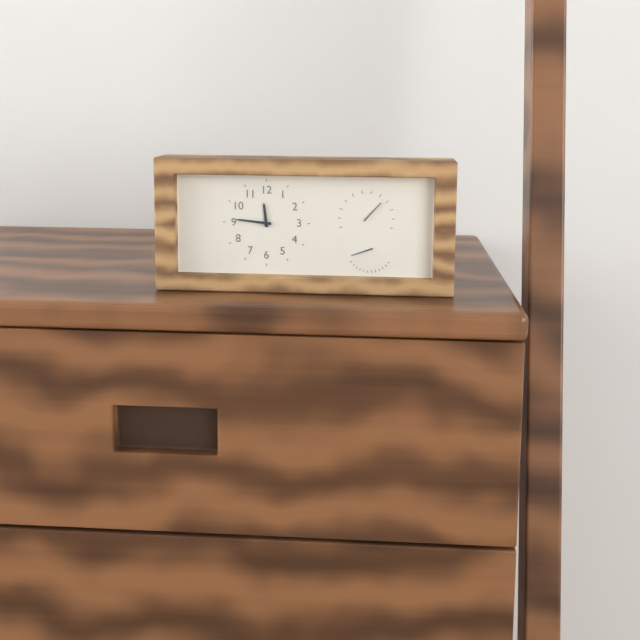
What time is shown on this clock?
11:46
